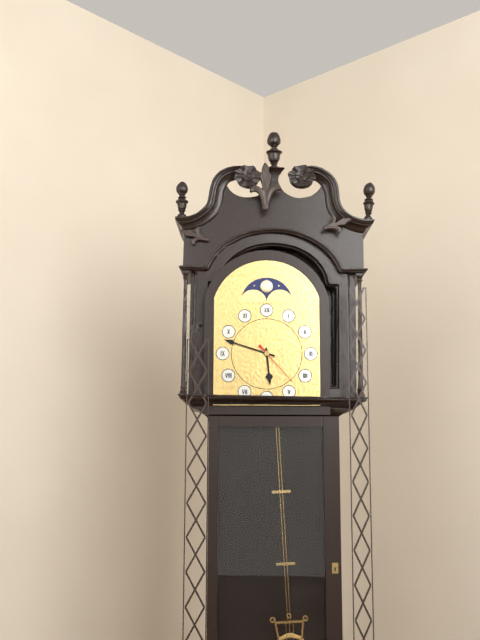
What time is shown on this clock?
5:48:23
